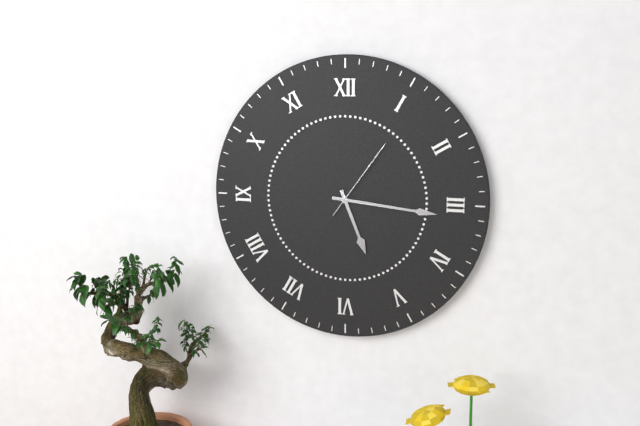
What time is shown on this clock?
5:16:06
